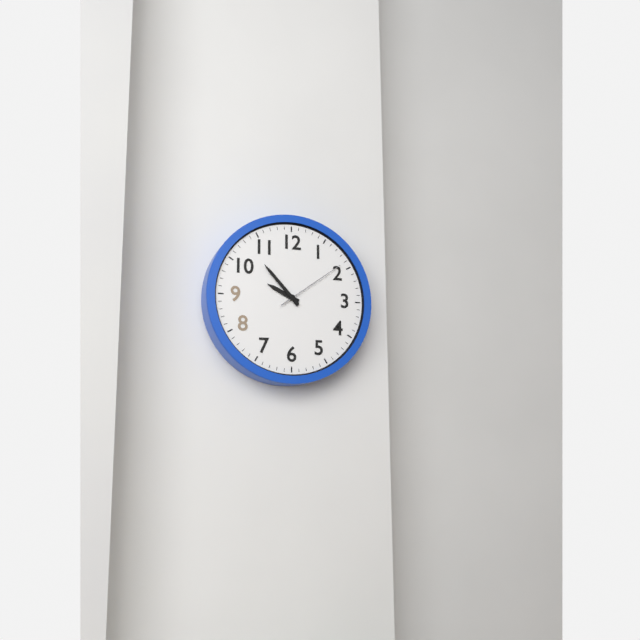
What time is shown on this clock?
9:53:09
